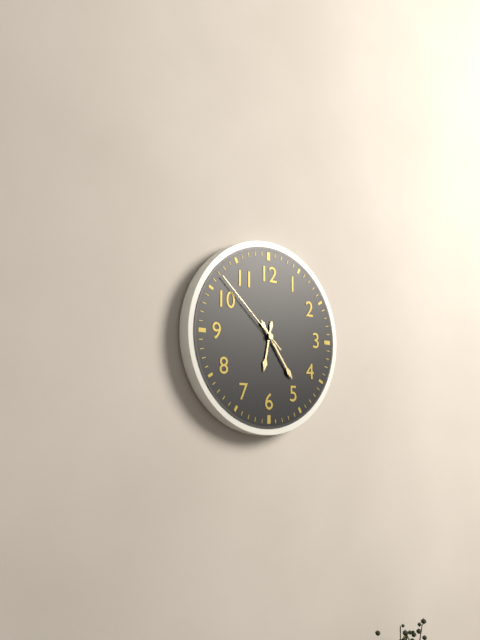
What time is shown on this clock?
6:24:52
